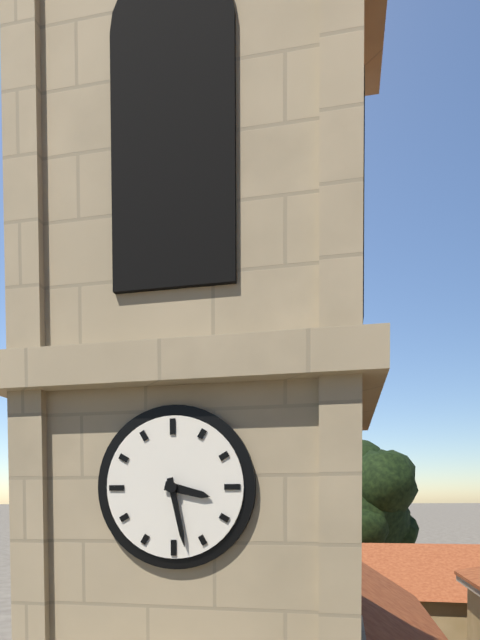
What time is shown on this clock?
3:28
